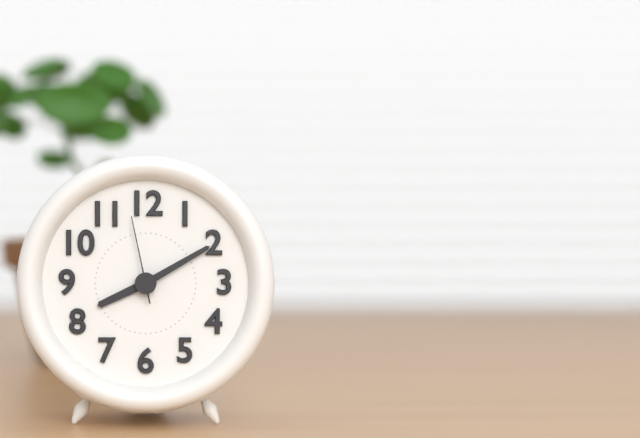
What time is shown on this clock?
8:10:58
